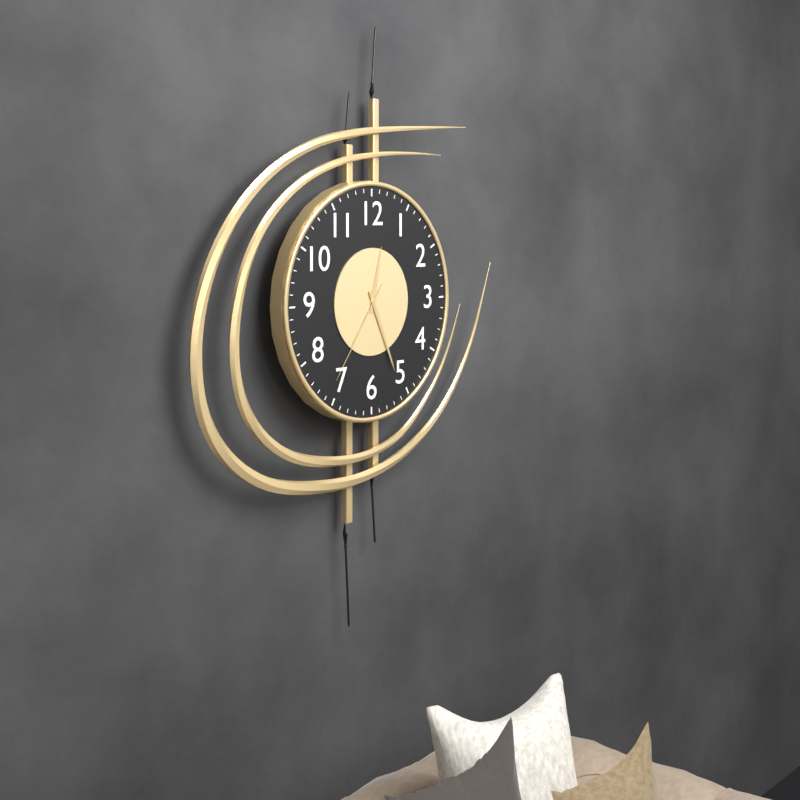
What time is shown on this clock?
12:26:36
